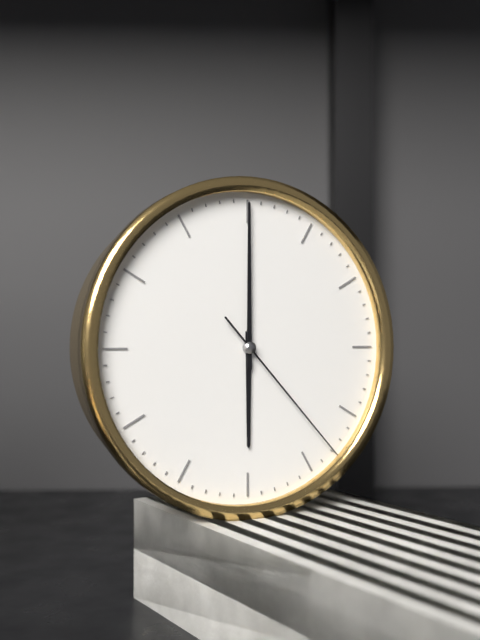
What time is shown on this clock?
6:00:23
